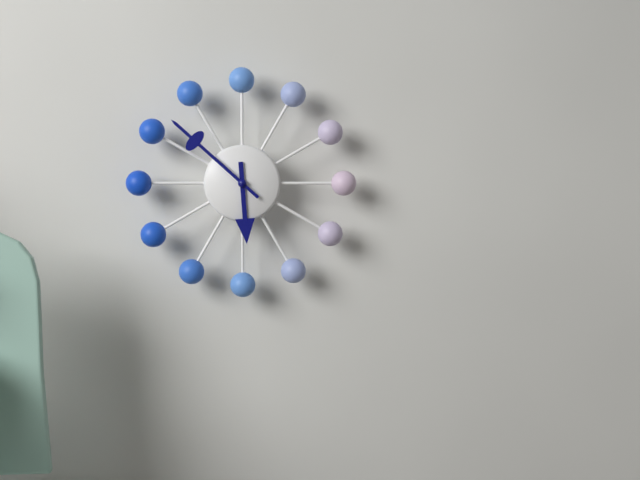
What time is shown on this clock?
5:52
